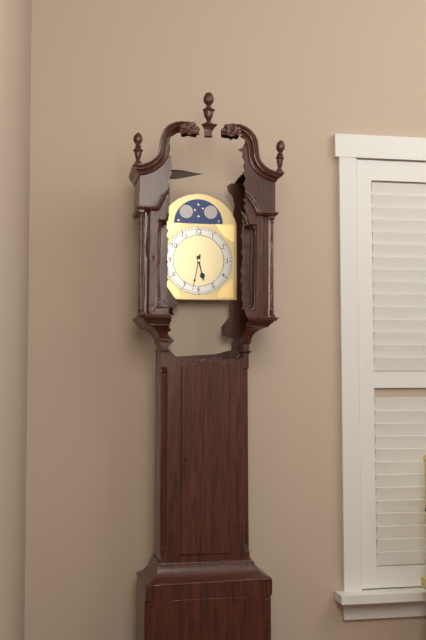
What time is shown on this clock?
5:32
